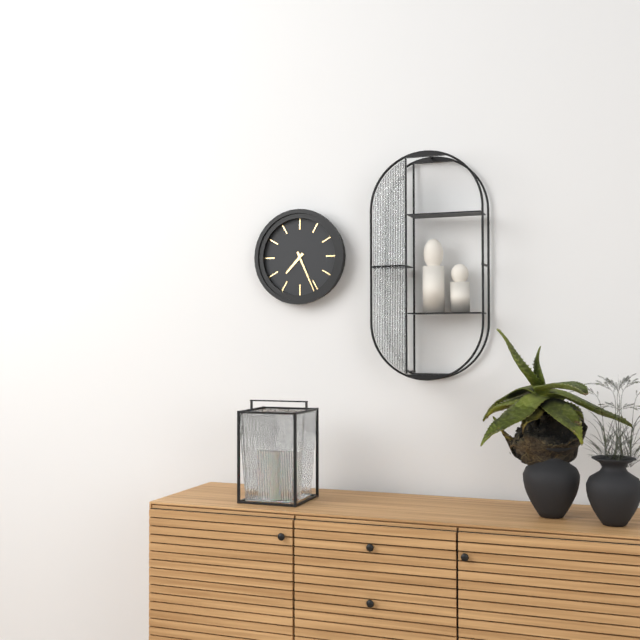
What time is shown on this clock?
7:26
